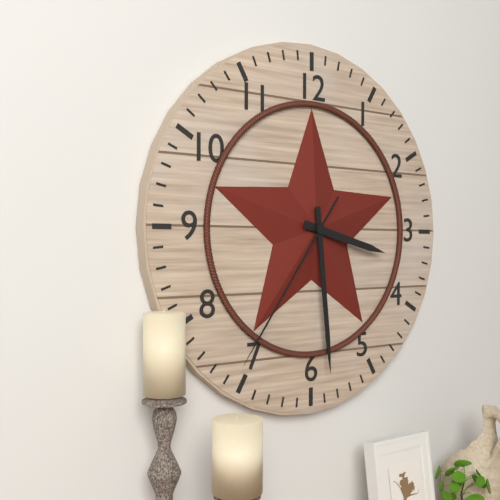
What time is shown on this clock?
3:29:36
